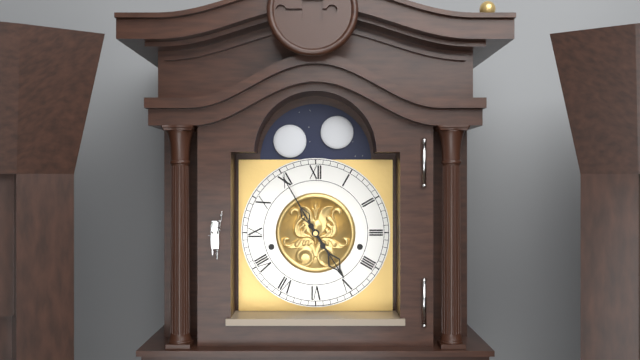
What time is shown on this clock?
4:55
